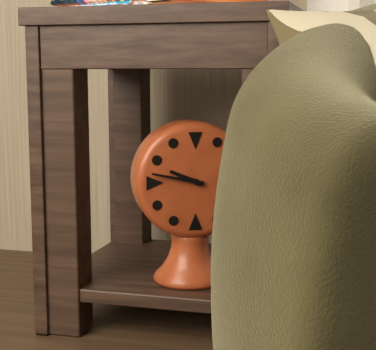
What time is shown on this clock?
9:47
